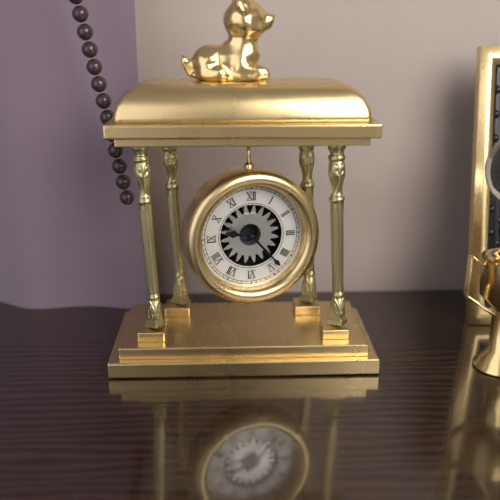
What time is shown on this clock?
9:23
